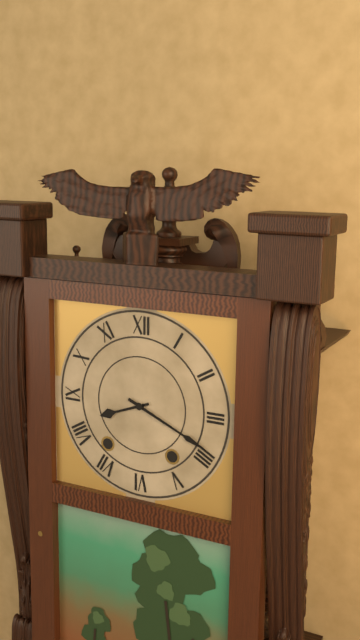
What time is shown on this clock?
8:19
